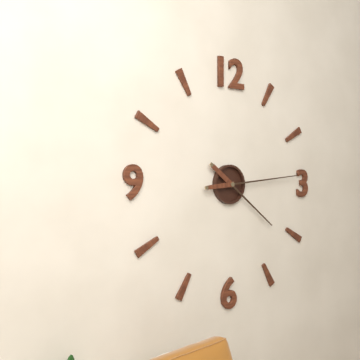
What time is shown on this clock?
4:14
